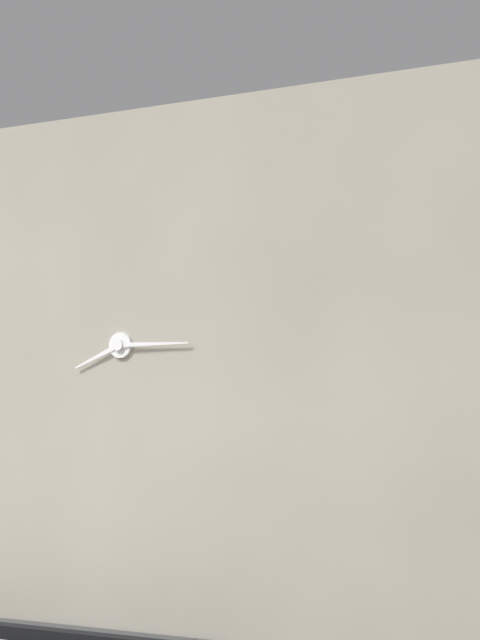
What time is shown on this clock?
8:15
